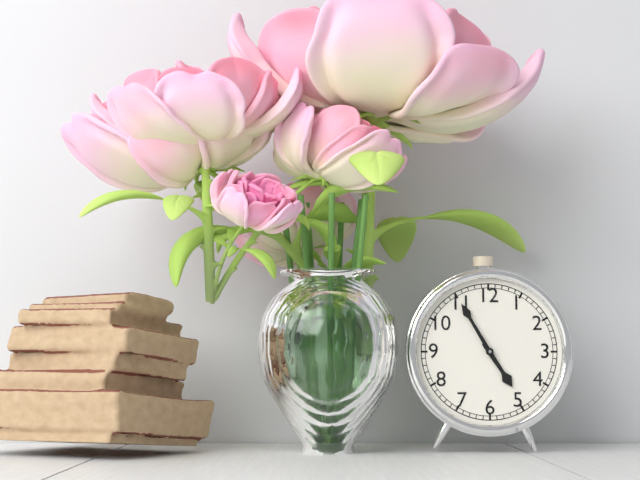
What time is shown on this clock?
4:55
